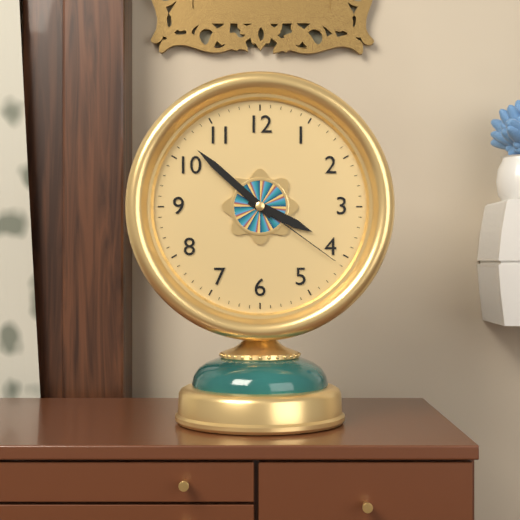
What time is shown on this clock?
3:52:21
